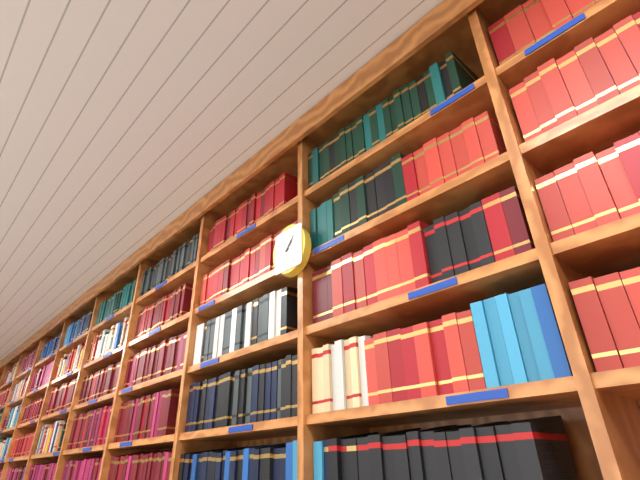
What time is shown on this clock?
1:07
